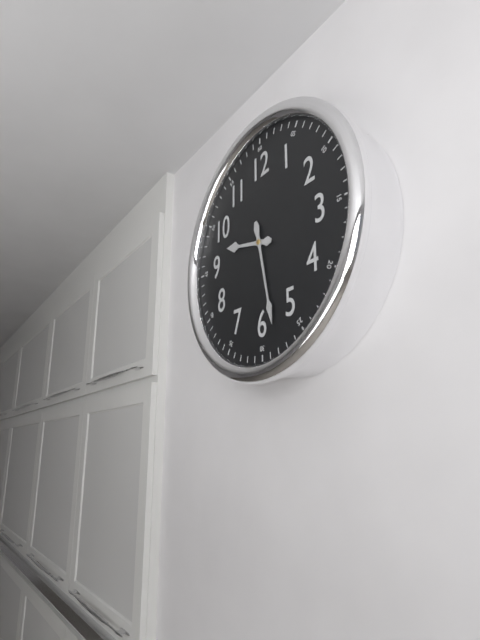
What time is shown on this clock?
9:28
